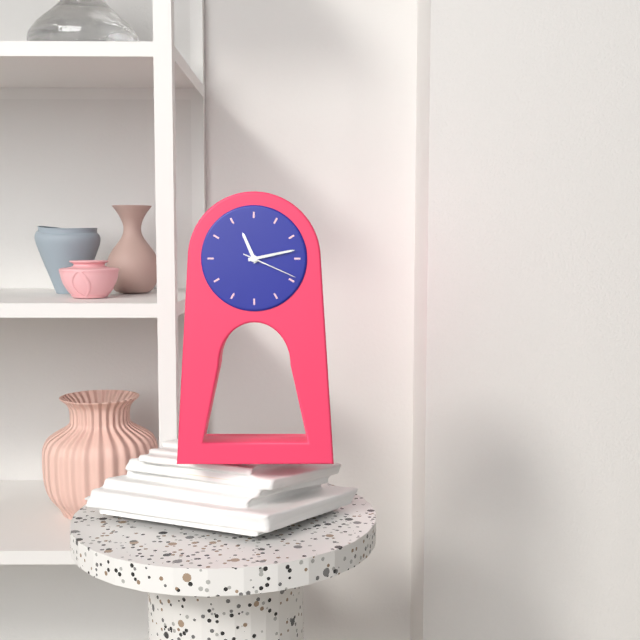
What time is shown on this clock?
11:13:19
